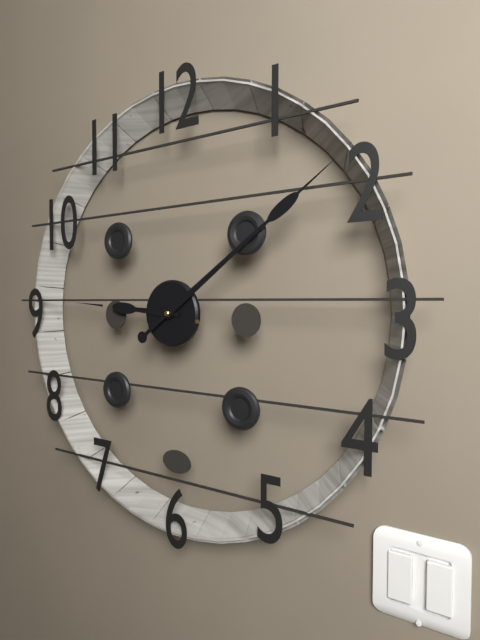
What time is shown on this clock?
9:09
